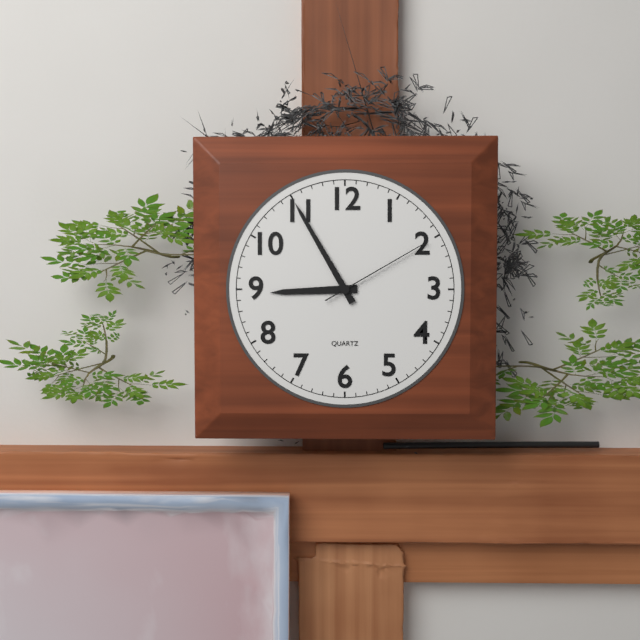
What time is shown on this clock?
8:55:10
